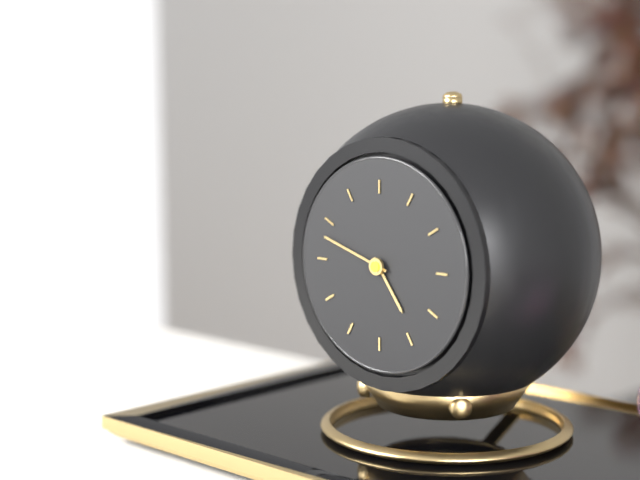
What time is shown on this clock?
4:48
